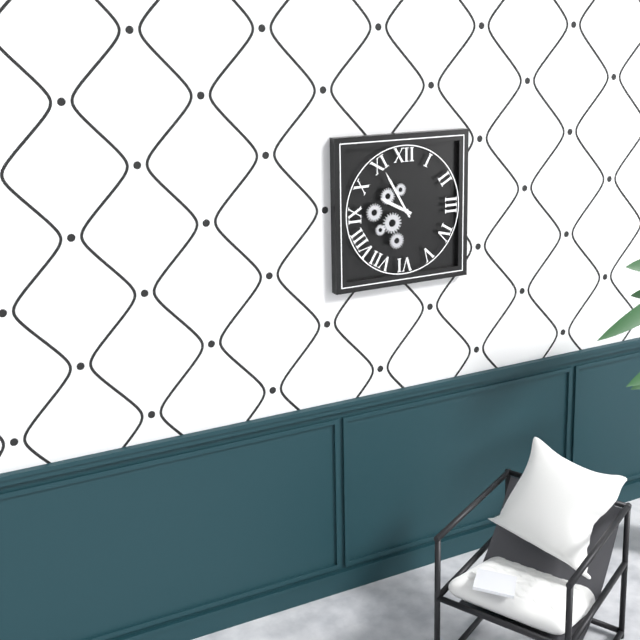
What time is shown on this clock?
9:55
